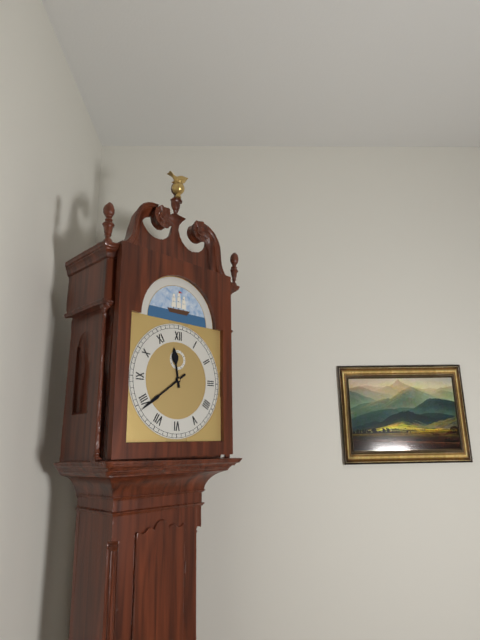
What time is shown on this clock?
11:39
